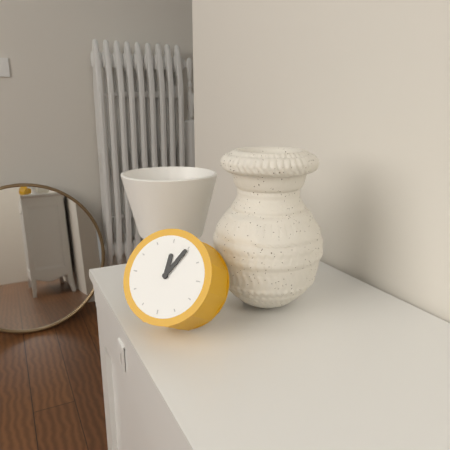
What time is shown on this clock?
12:05
